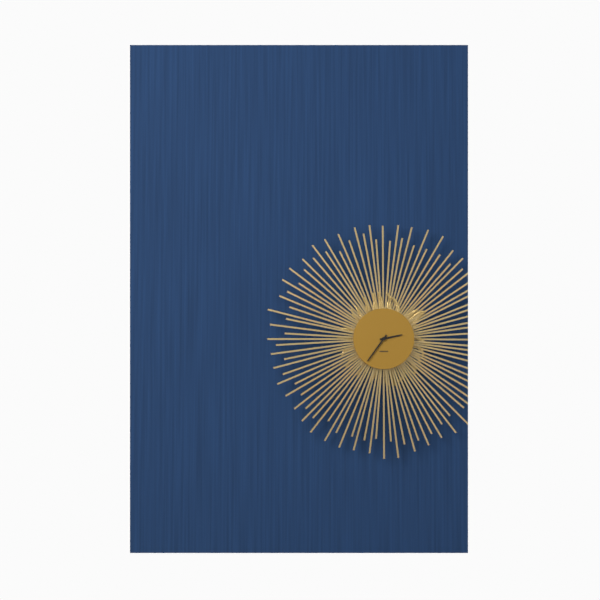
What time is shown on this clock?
2:36
